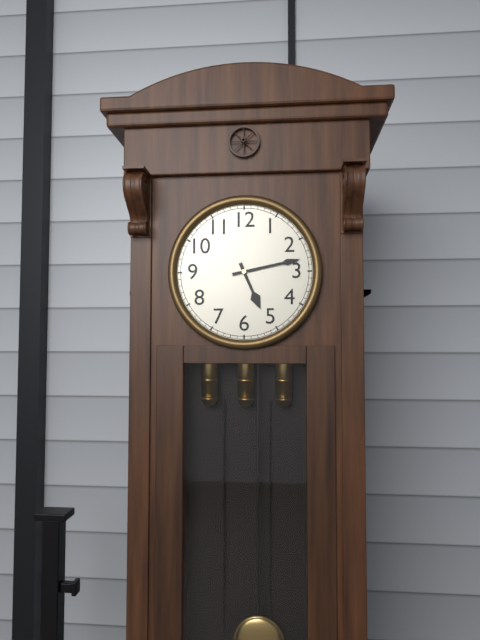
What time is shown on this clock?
5:13
